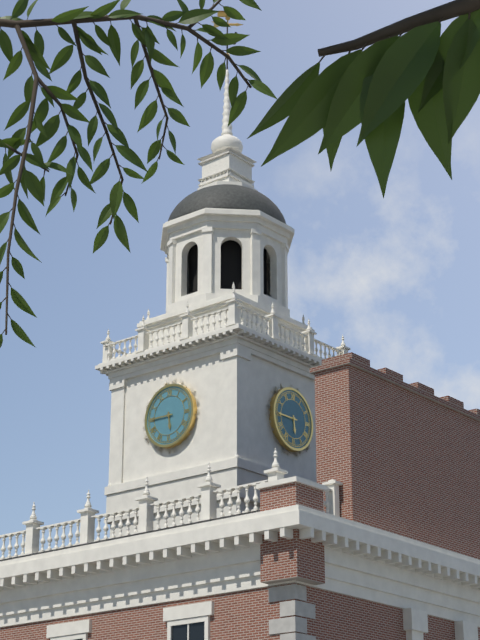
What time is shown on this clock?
5:45
